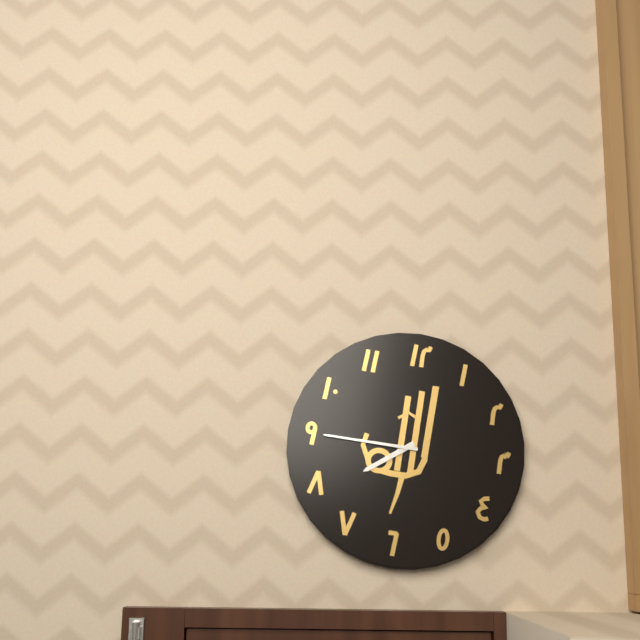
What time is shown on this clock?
7:45
